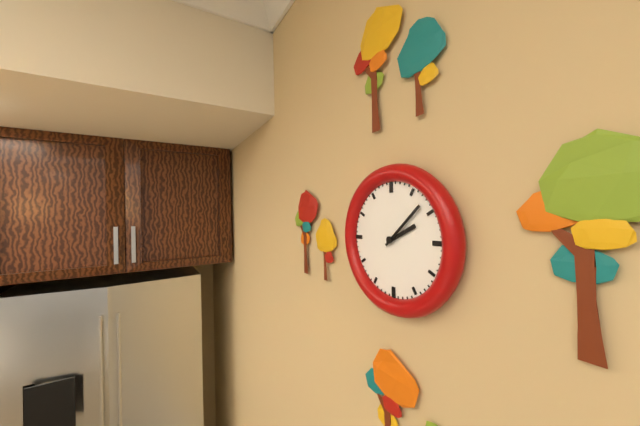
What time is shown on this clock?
2:08
